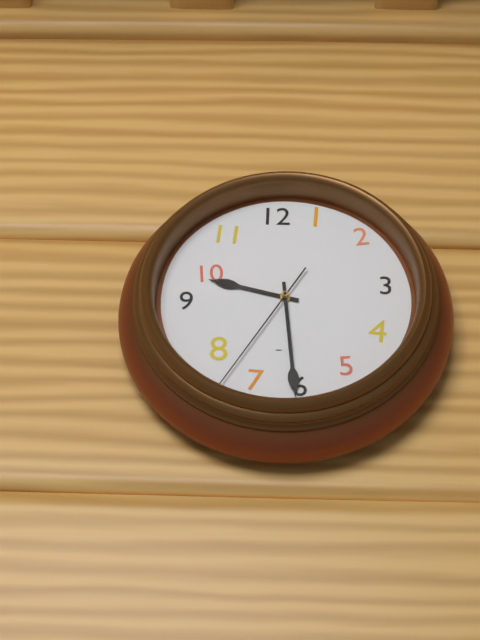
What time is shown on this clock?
9:29:35
